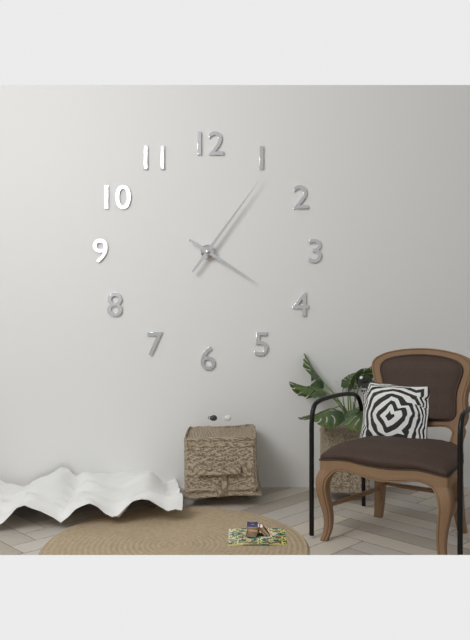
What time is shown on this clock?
4:06
